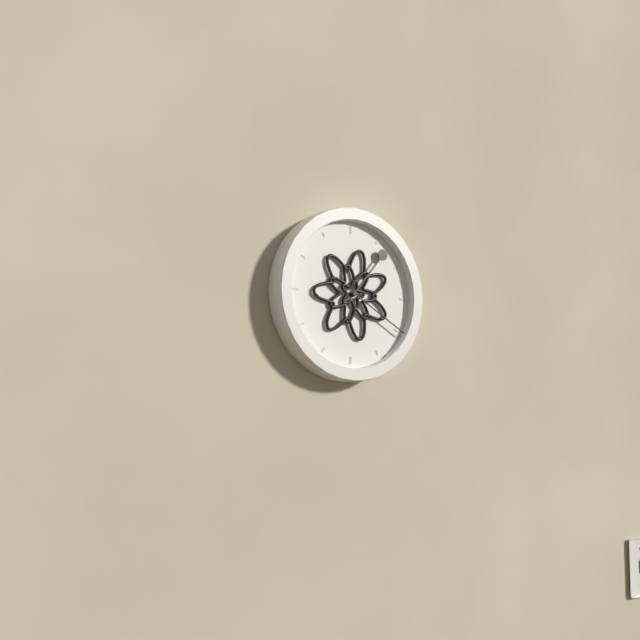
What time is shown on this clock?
1:20
